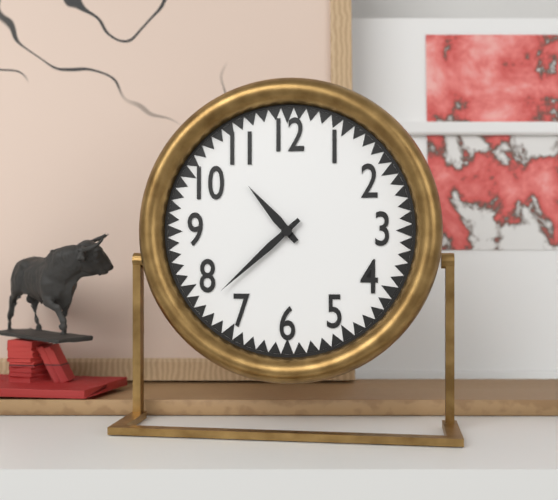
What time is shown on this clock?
10:38
